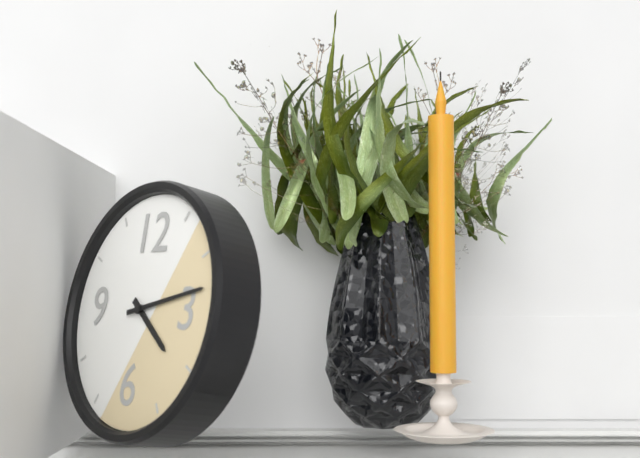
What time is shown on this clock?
4:13
